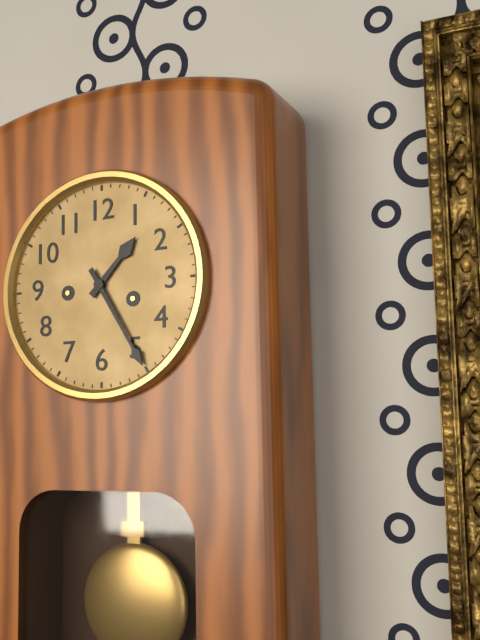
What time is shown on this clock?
1:25
